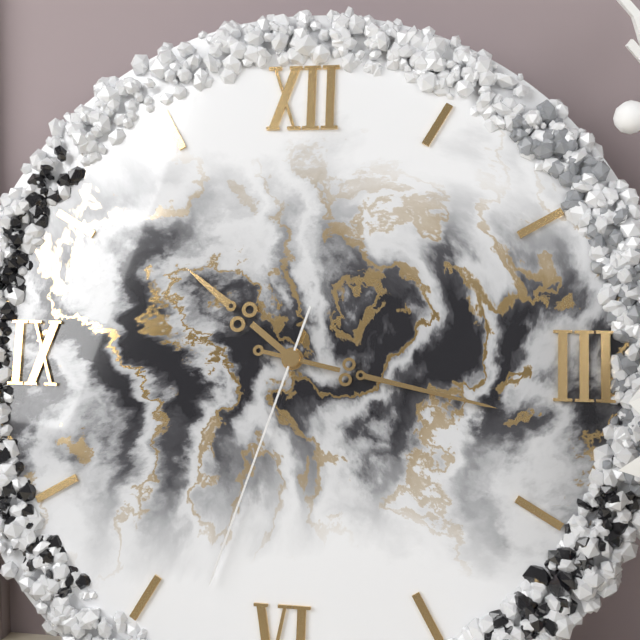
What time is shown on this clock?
10:17:33
